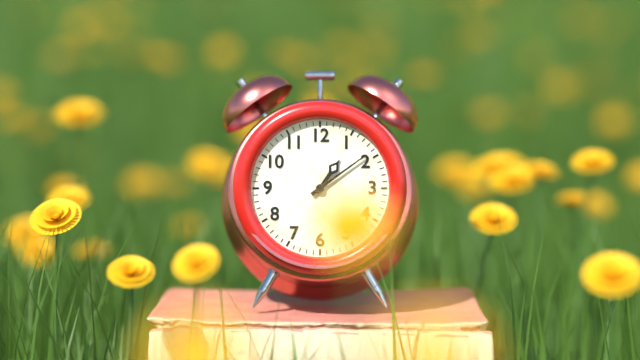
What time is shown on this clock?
1:09
